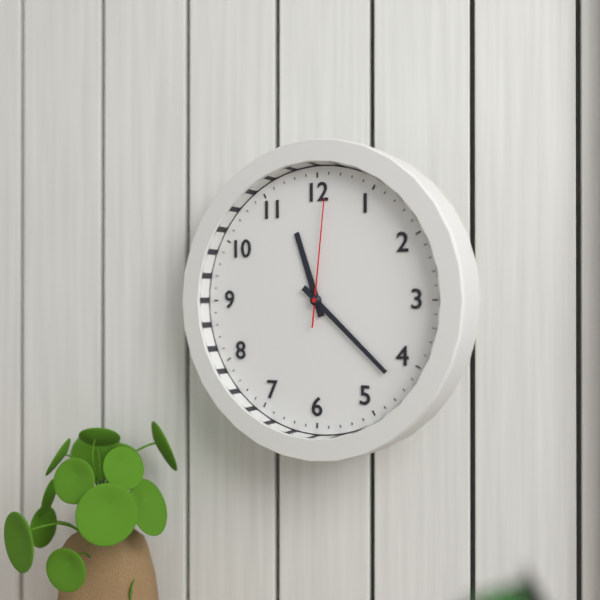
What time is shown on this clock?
11:22:01
